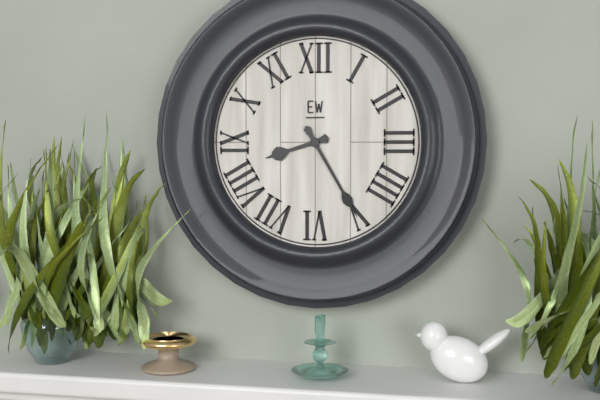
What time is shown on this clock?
8:25
